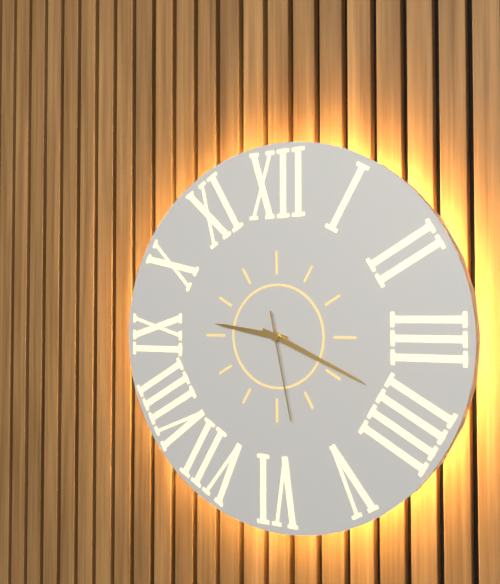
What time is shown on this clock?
9:19:28
